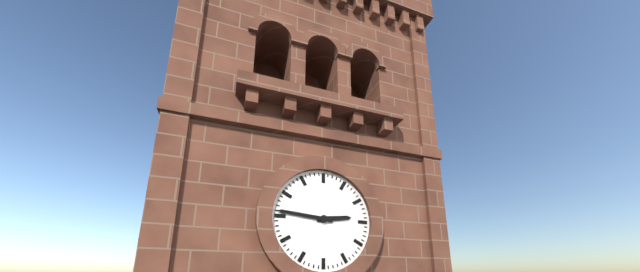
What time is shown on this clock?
2:46
